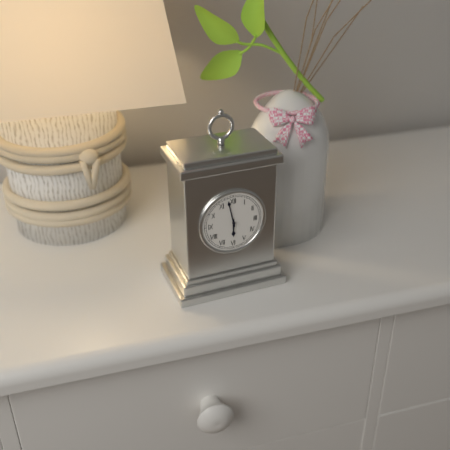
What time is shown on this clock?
5:58
